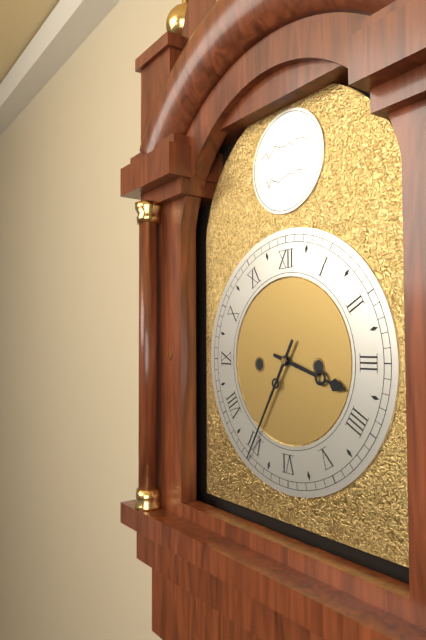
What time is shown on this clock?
3:35
